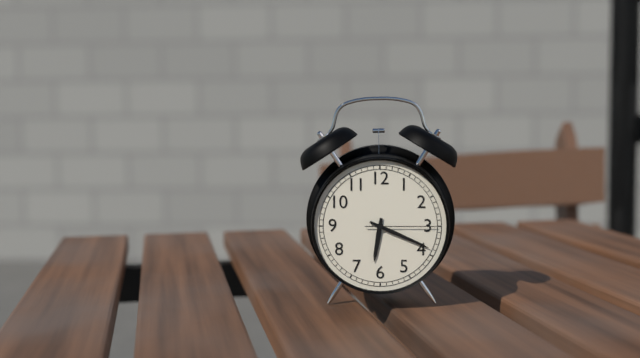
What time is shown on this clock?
6:19:15
